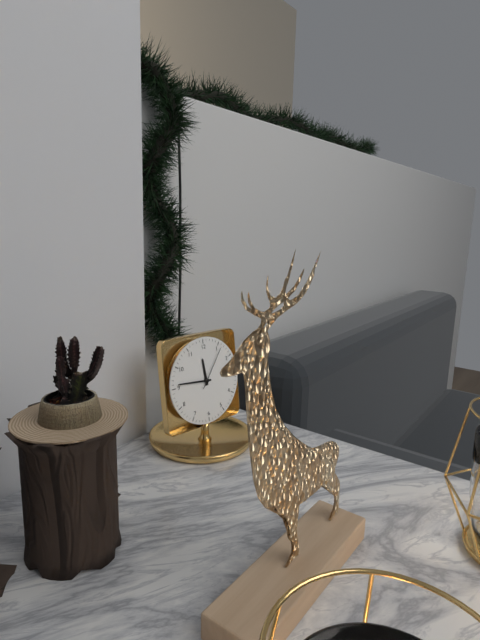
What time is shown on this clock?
11:46
